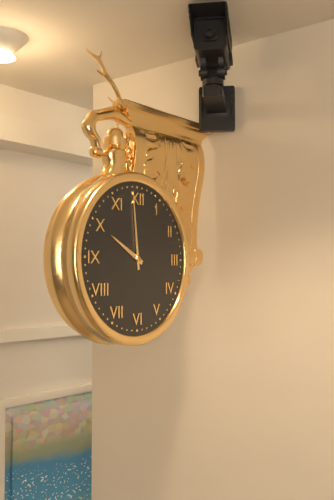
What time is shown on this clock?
9:59
